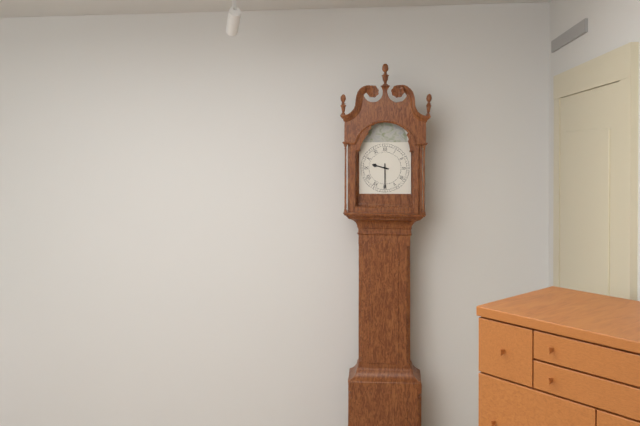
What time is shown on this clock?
9:30
